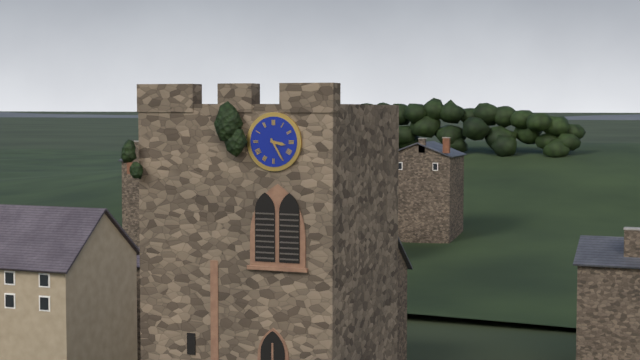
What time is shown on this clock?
3:25
